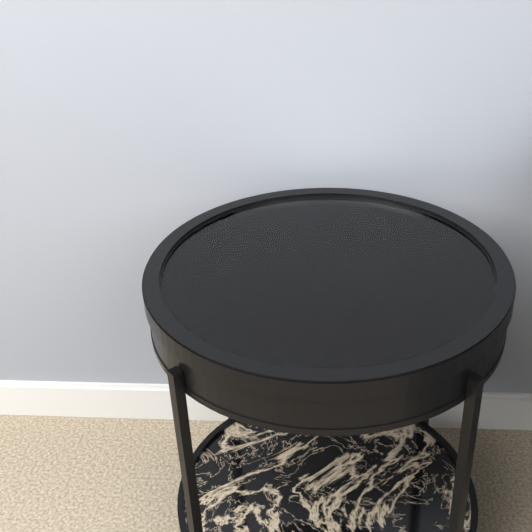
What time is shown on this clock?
8:12
